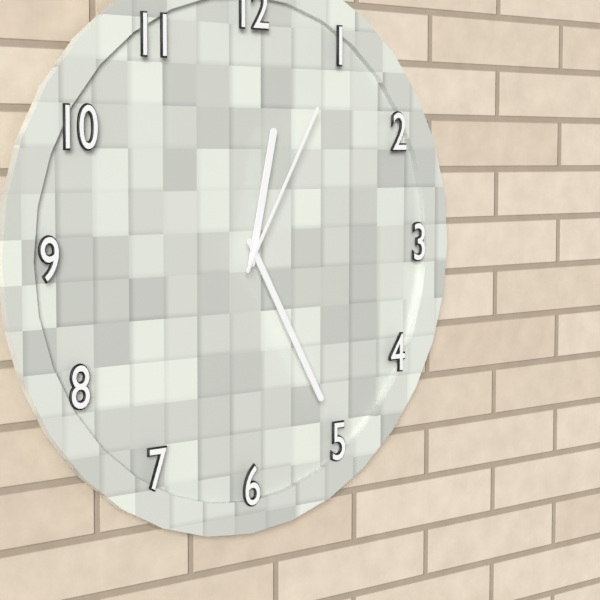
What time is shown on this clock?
12:25:05
